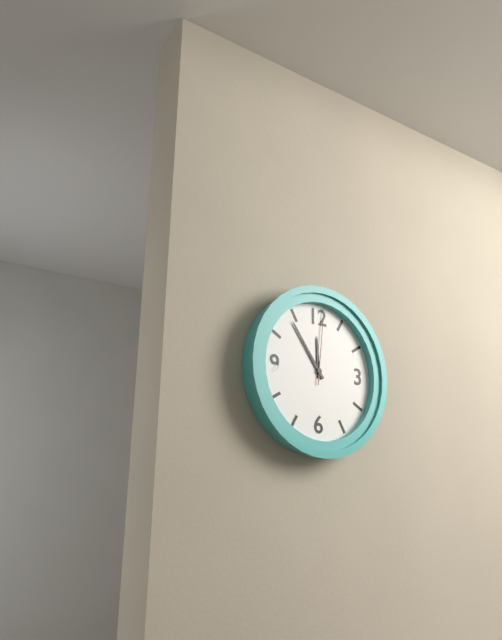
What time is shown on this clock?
11:54:01
